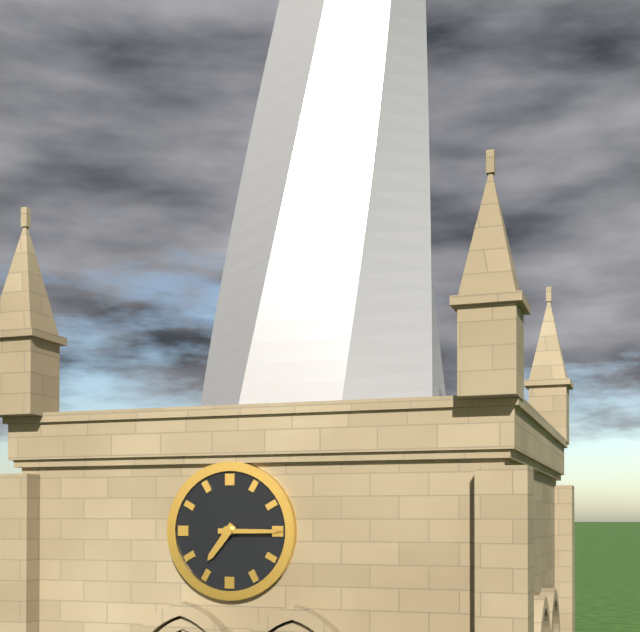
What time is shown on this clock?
7:15
